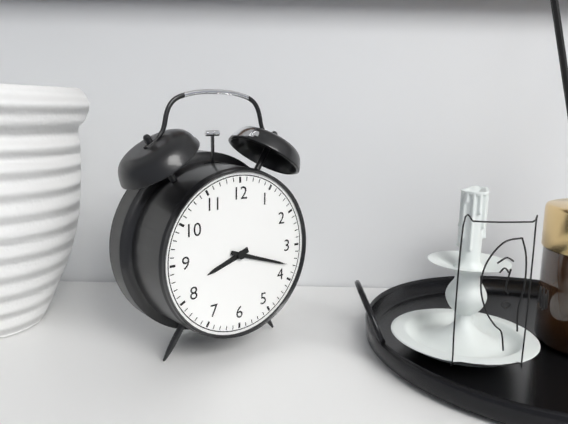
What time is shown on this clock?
8:18
